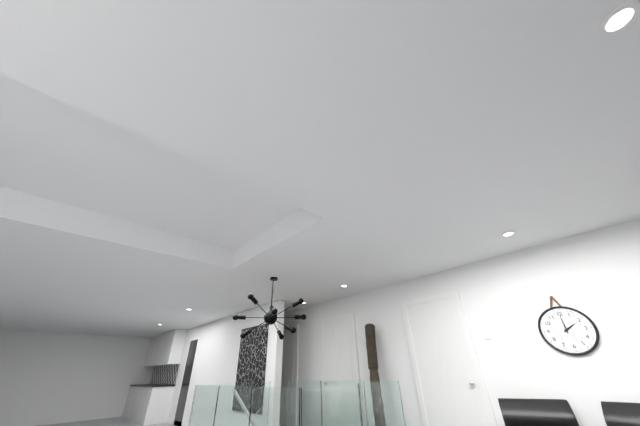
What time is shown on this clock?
2:00
